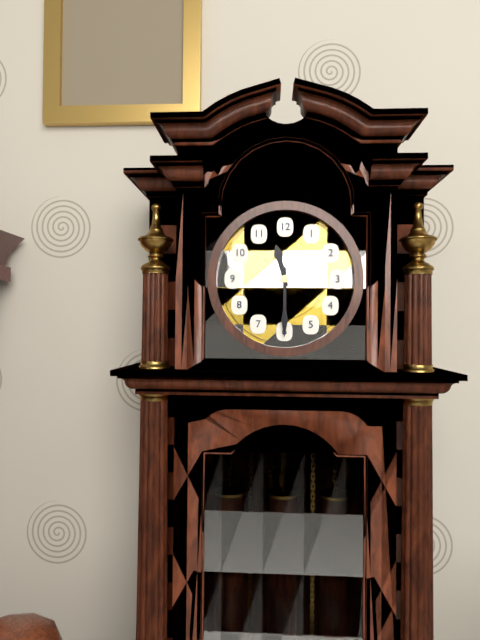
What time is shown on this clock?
11:30
